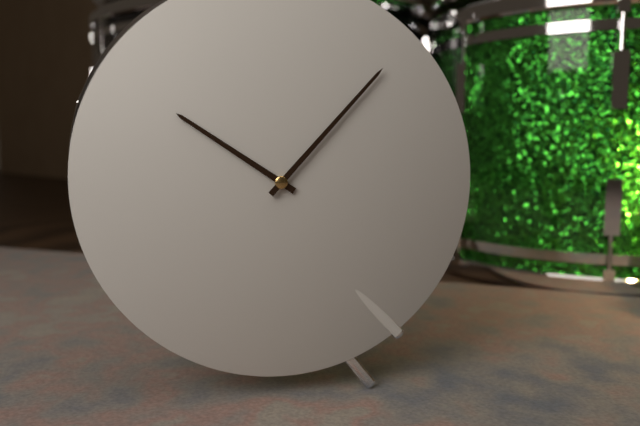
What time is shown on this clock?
10:07
